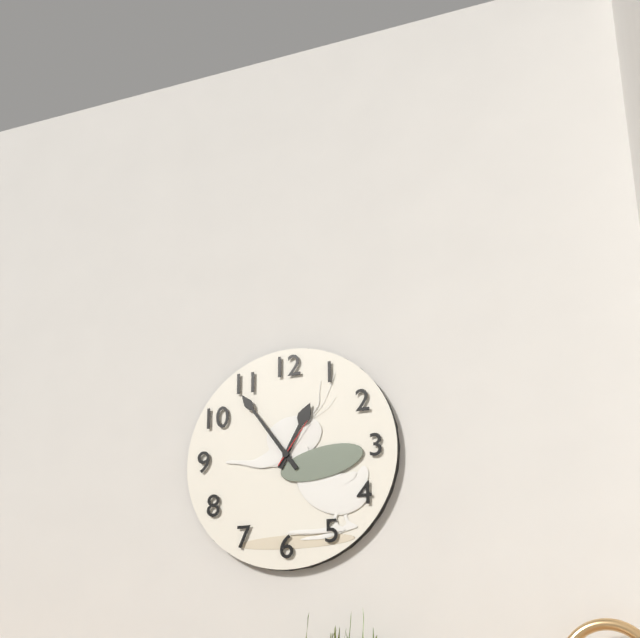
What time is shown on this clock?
12:54:06
